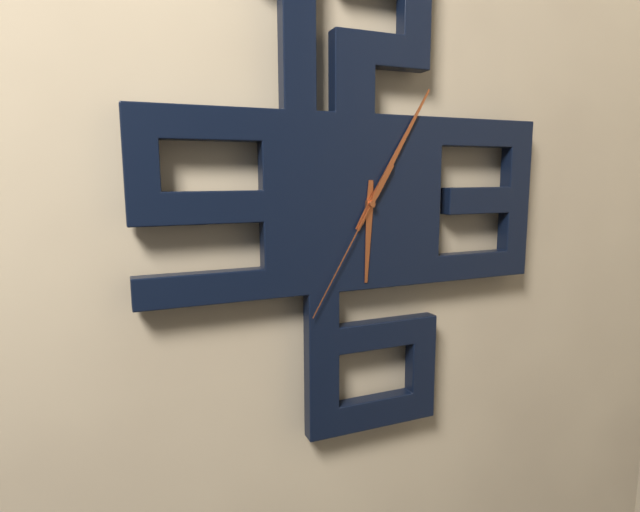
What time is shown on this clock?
6:05:35
